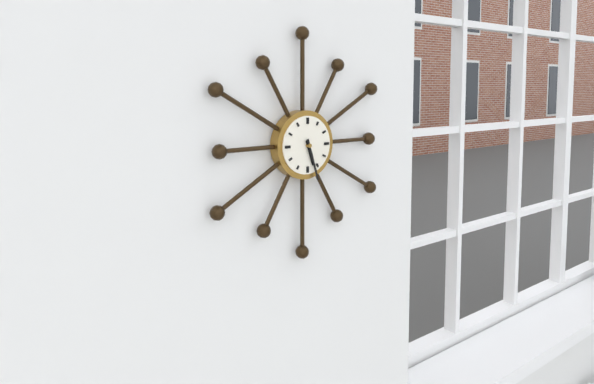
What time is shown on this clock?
5:27
